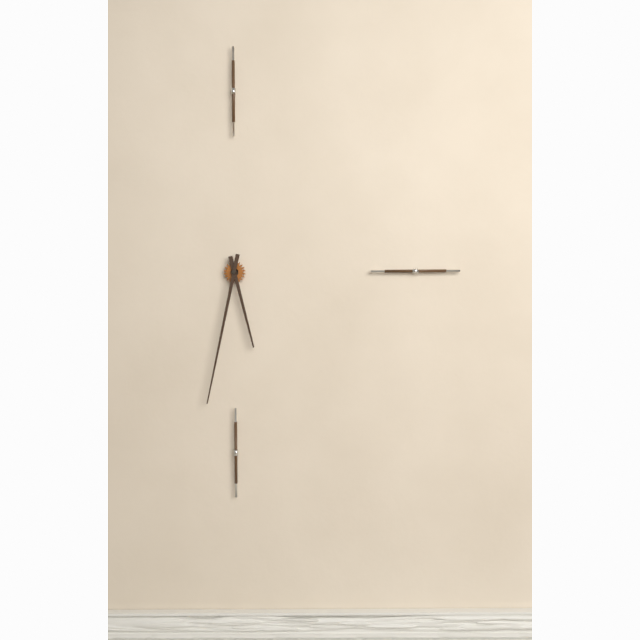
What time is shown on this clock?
5:32
